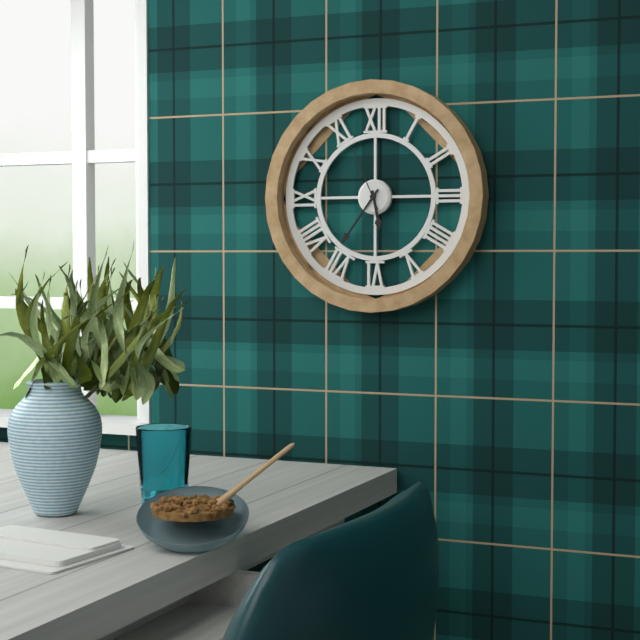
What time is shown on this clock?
5:36:56
